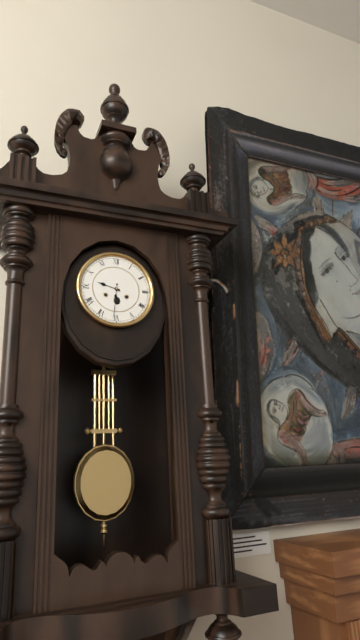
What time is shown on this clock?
9:31
